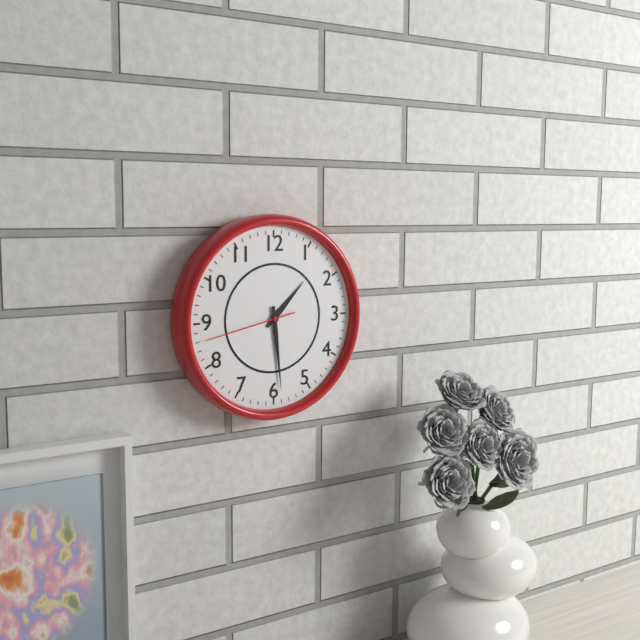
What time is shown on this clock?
1:29:43
